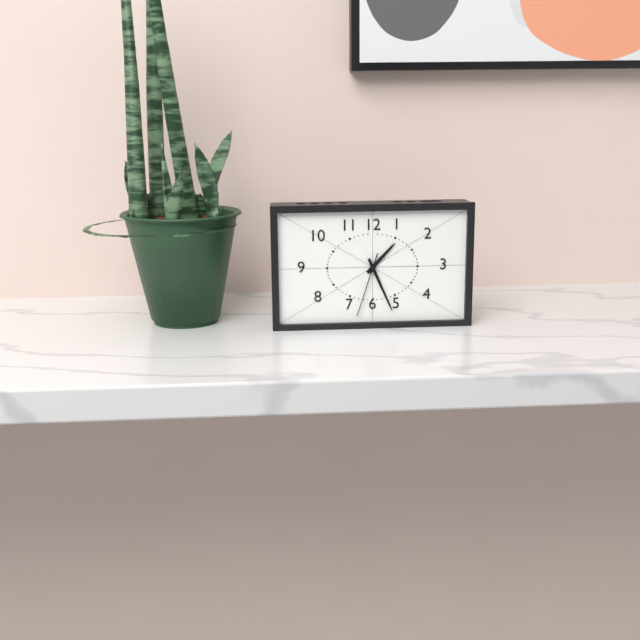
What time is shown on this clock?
1:26:33
